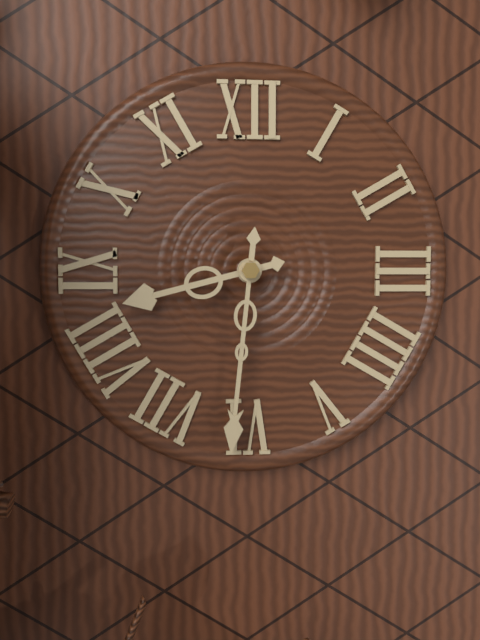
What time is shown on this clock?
8:31
